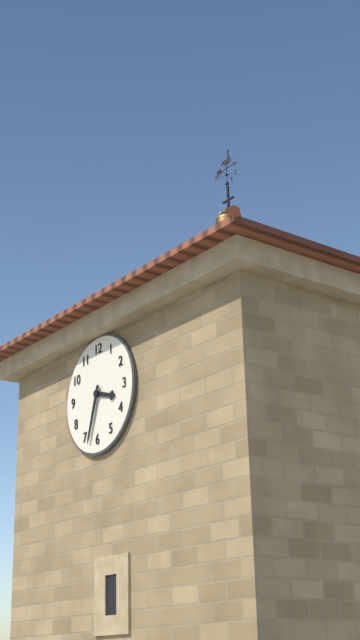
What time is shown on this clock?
3:33
